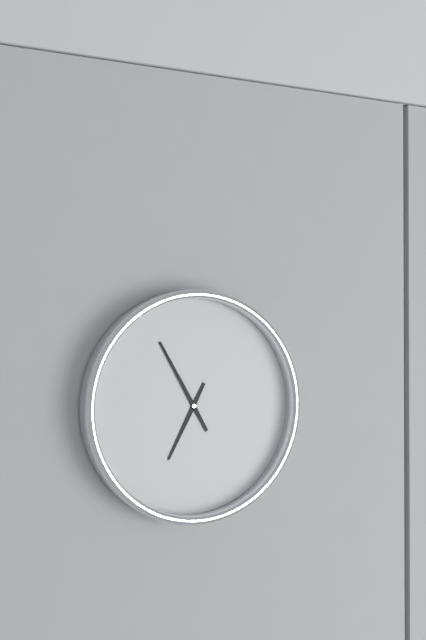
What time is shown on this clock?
6:55
